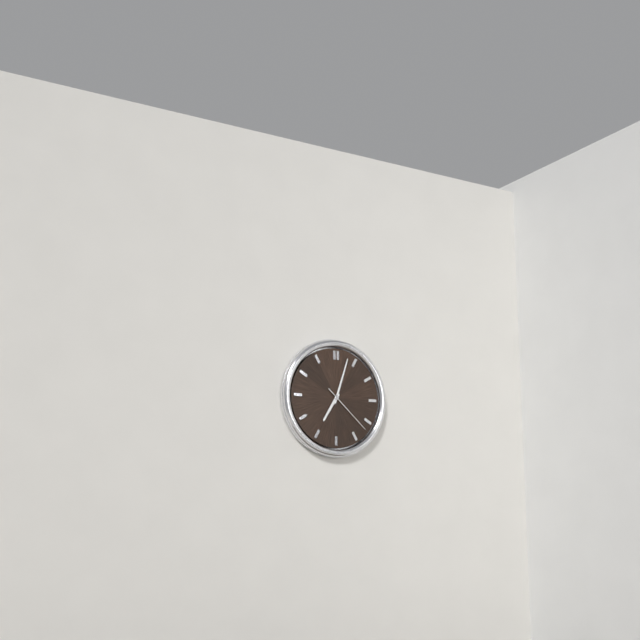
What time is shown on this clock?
7:03:22
